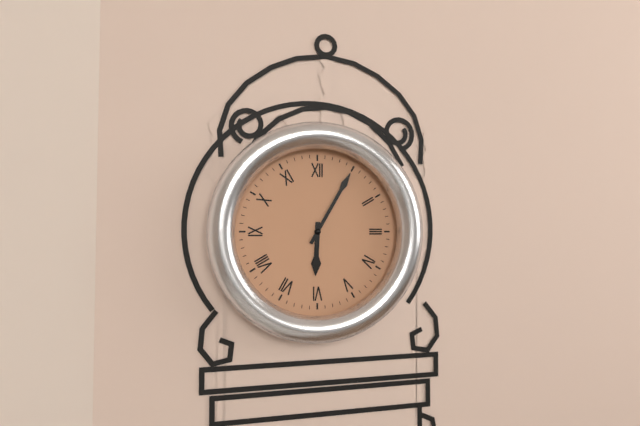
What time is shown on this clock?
6:05
